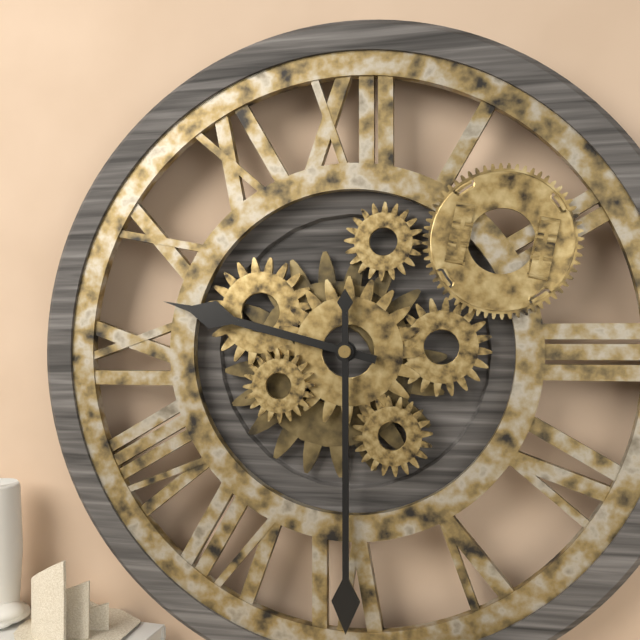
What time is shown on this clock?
9:30
